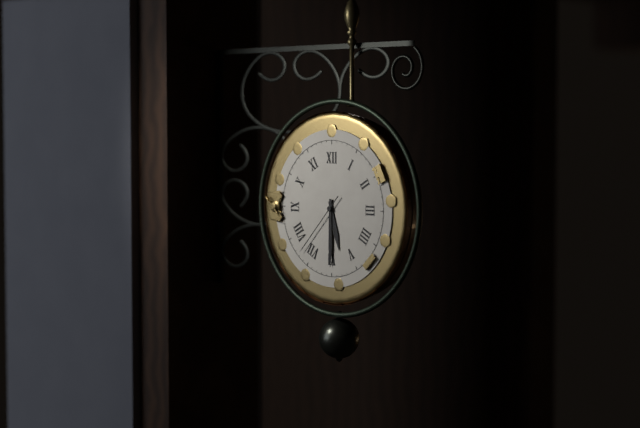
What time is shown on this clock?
5:30:37
